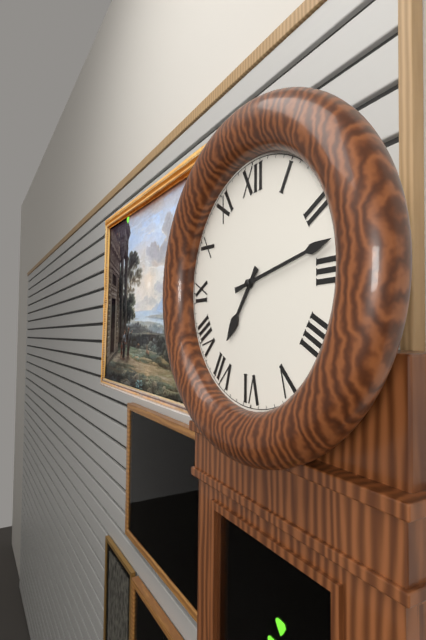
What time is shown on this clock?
7:13
